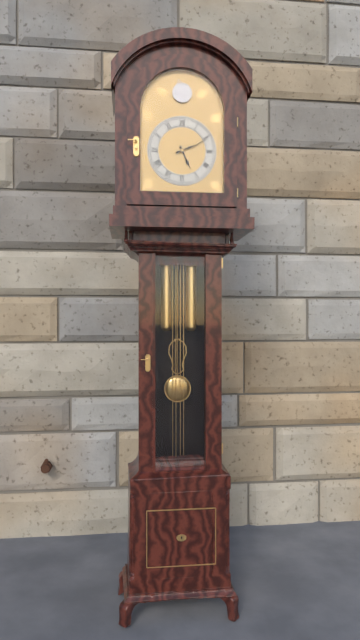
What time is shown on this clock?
5:11
